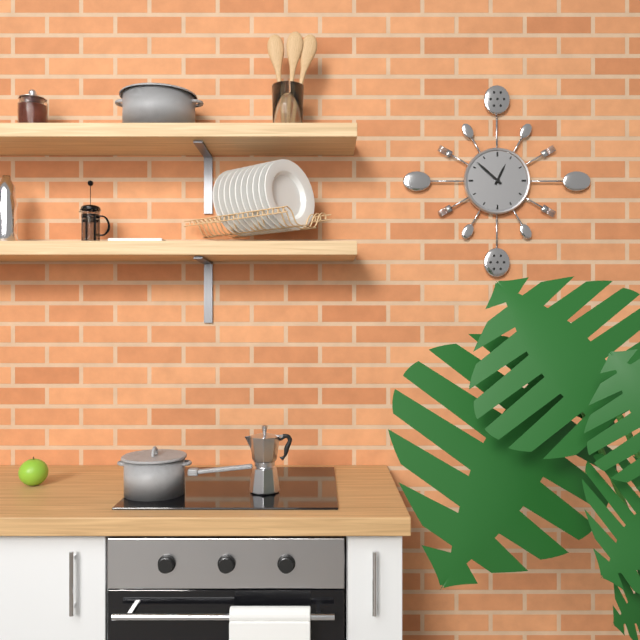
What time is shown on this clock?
12:52
